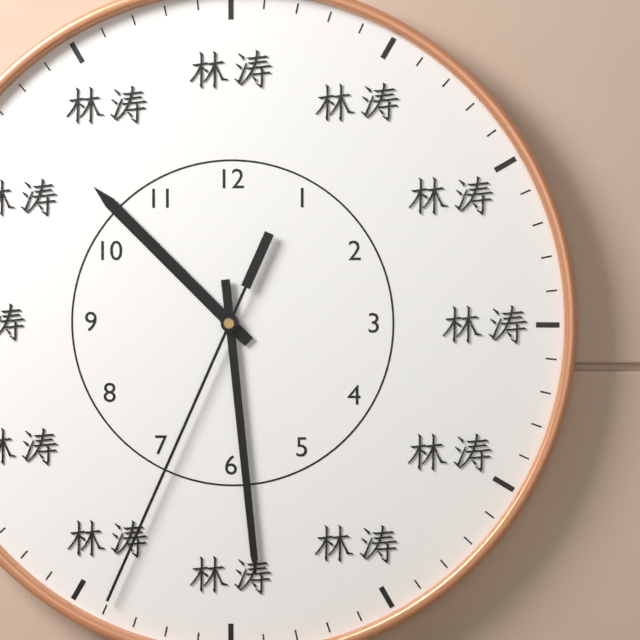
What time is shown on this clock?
10:29:34
